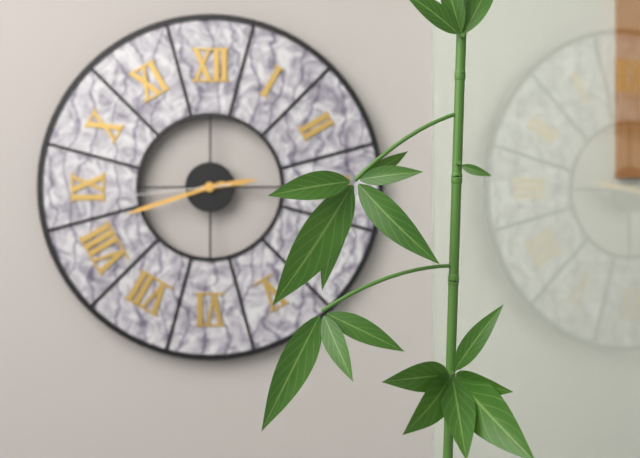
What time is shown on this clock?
2:42:44
